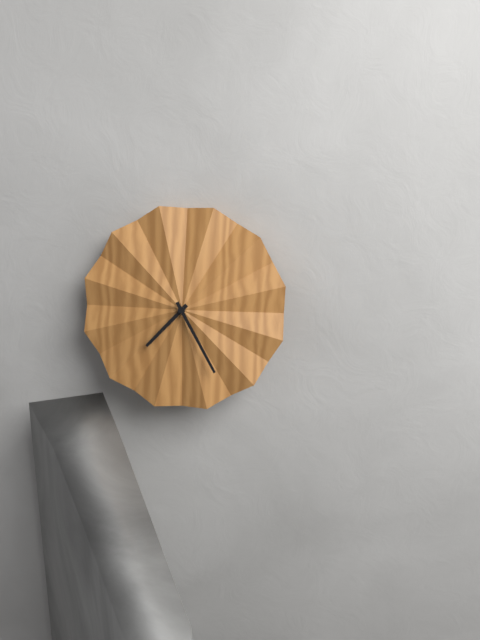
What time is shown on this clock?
7:25
